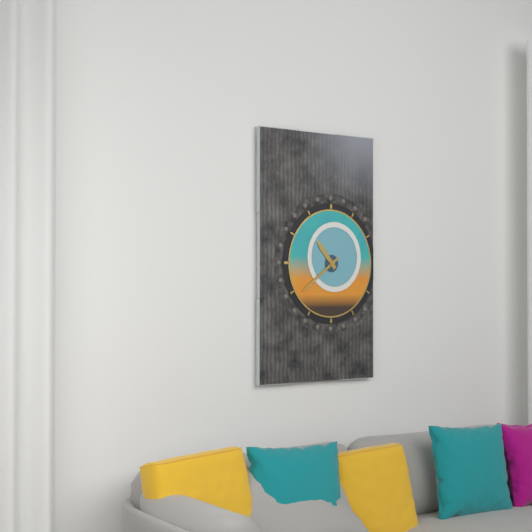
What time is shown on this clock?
10:39
